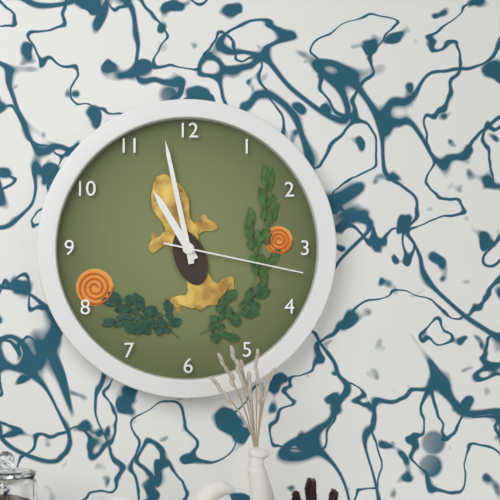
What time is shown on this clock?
10:58:17
